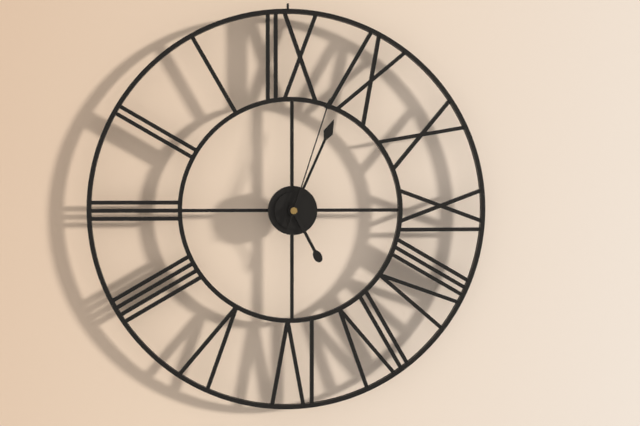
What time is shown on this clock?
5:04:03
